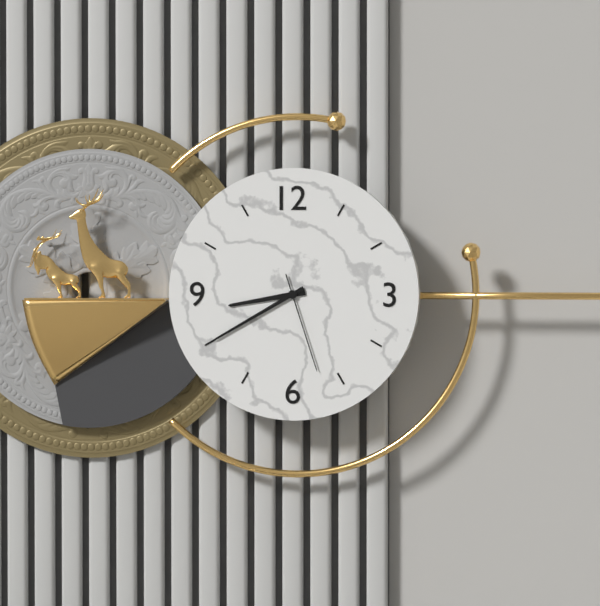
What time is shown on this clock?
8:40:27
